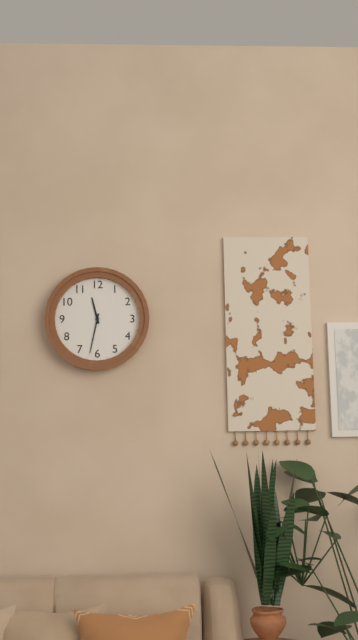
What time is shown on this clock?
11:32
